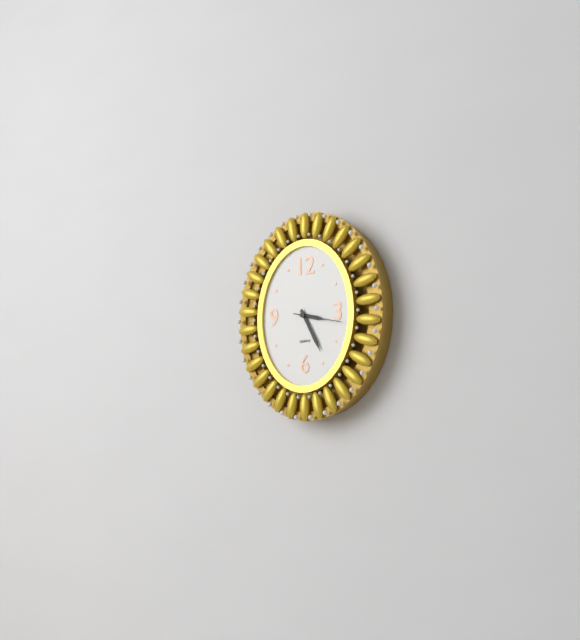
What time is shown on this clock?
3:25
